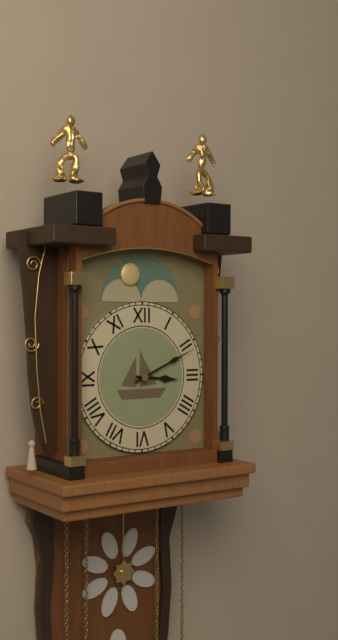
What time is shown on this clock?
3:11
